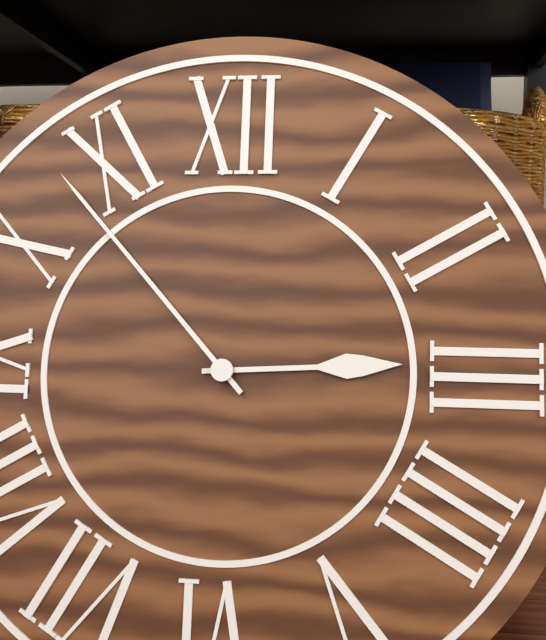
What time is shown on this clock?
2:53
